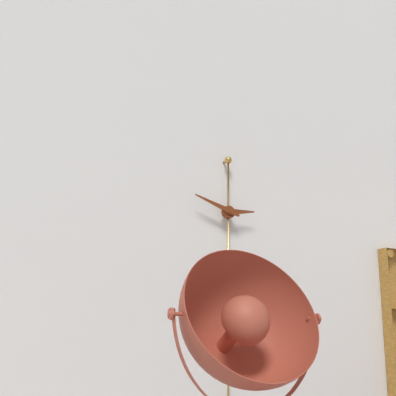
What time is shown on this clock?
2:48
